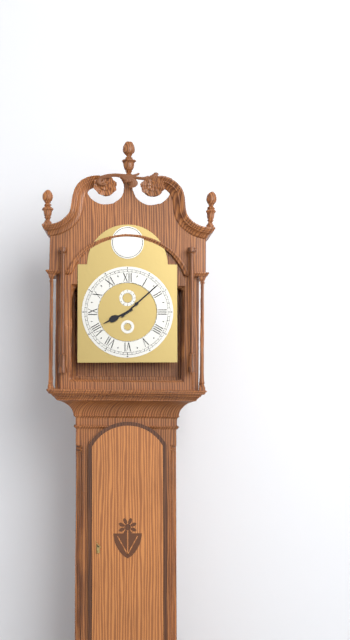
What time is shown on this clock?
8:08
